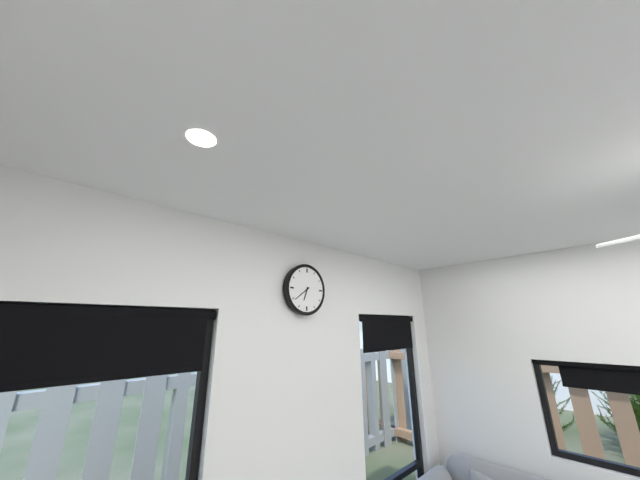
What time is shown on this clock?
6:39
